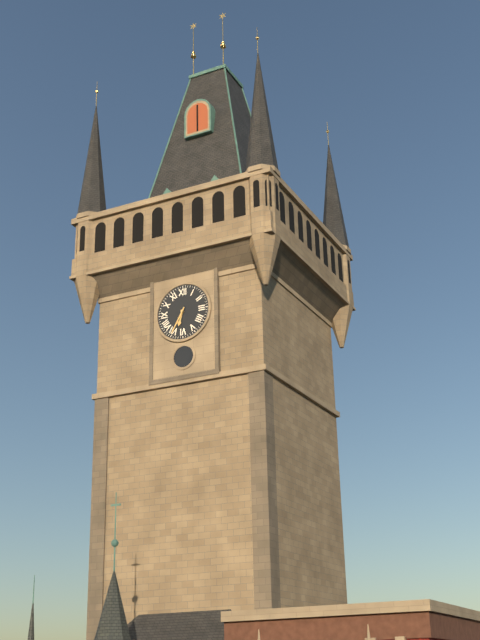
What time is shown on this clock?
6:35
